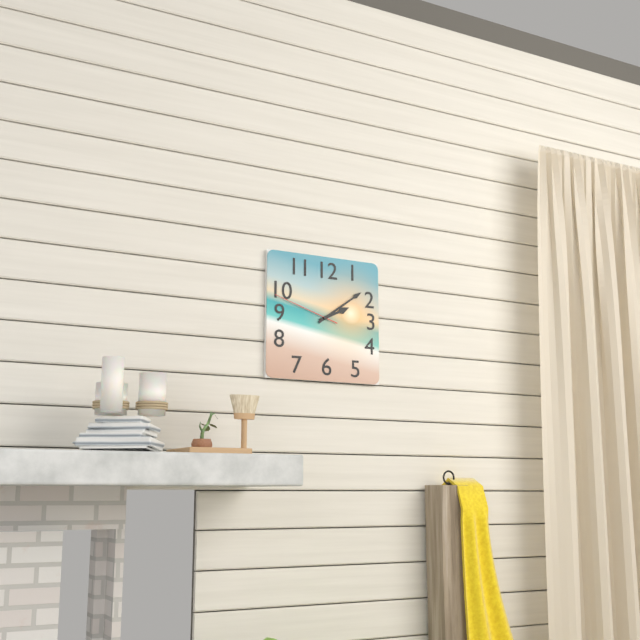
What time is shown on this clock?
2:09:48
